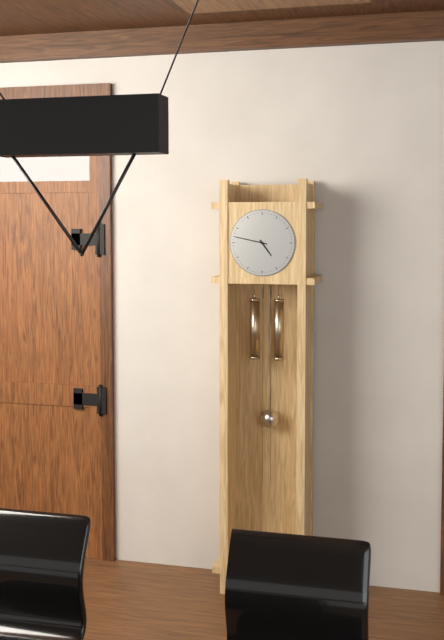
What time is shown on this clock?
4:47
